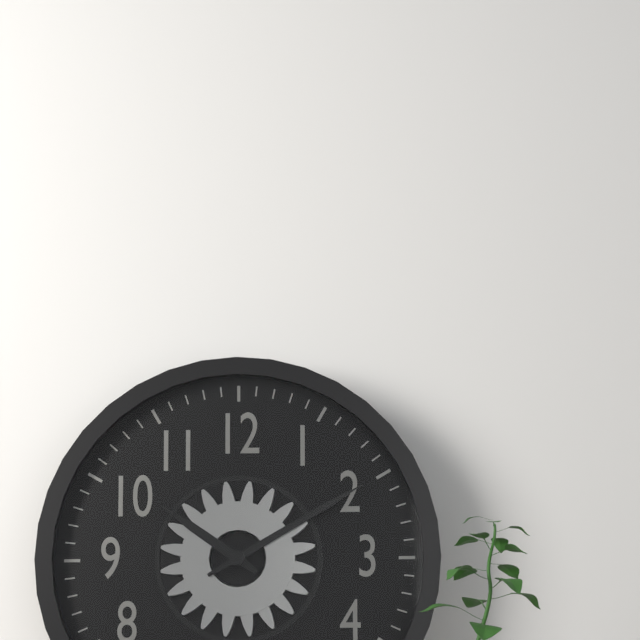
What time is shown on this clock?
10:10
